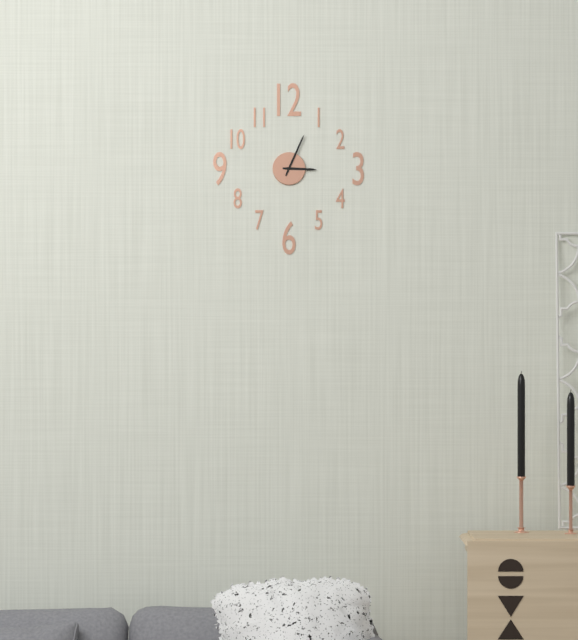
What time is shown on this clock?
3:04
